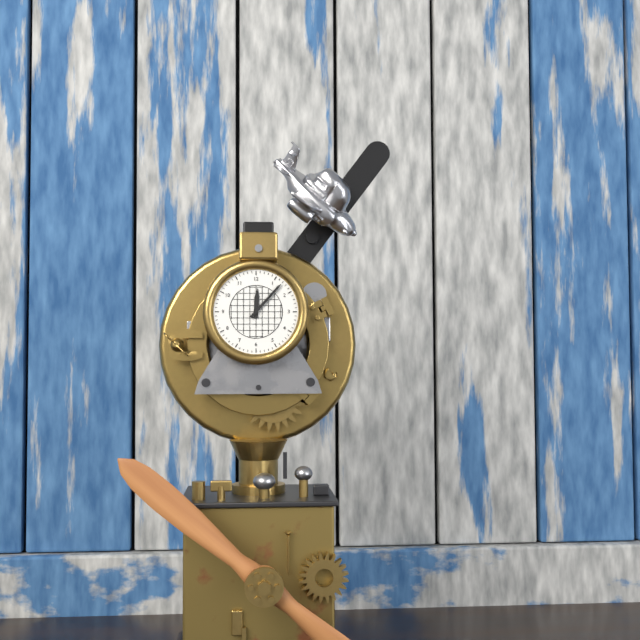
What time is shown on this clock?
12:07
